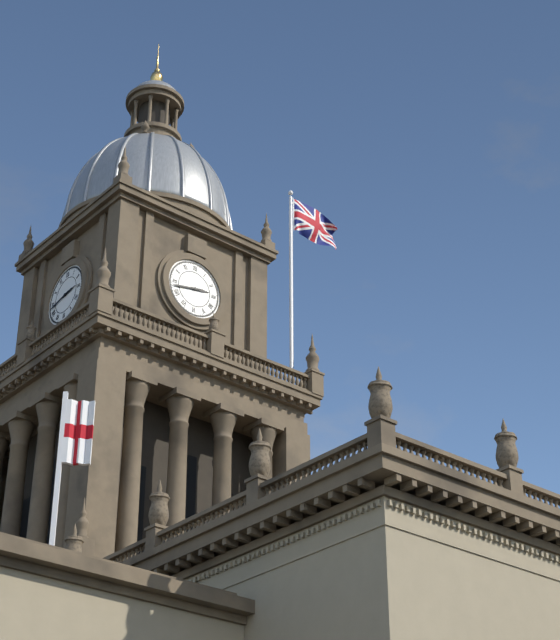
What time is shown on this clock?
2:43
